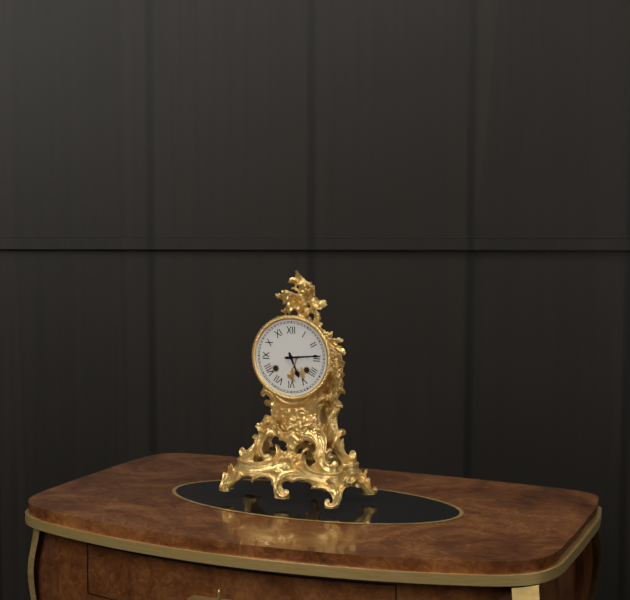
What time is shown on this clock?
5:14
